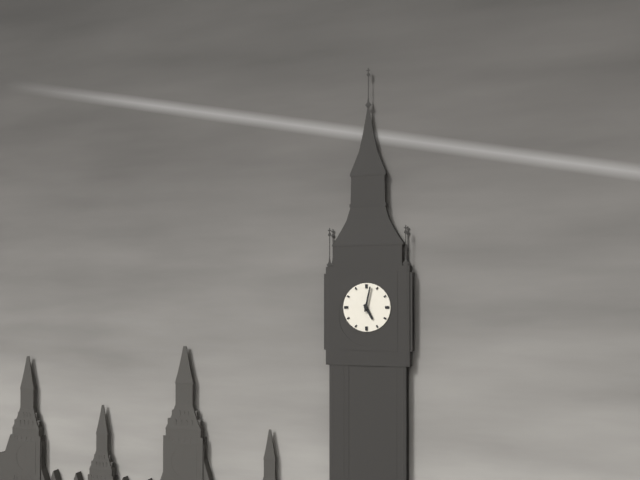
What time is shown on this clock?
5:02
